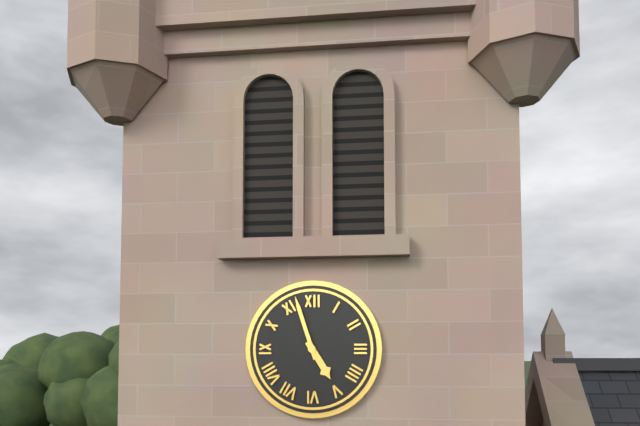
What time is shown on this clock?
4:57
